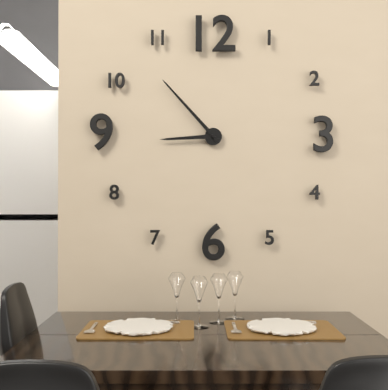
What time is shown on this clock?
8:53
